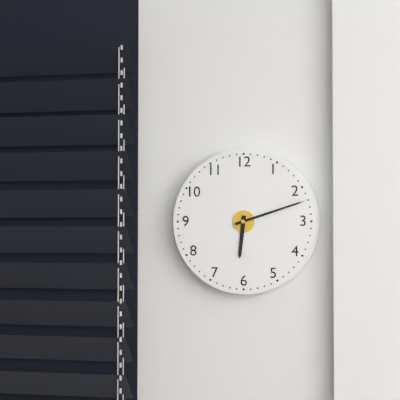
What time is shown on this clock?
6:12
